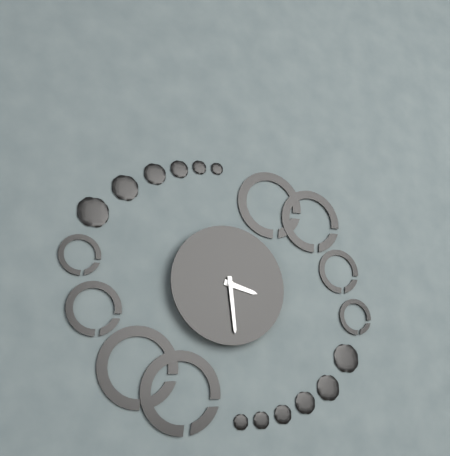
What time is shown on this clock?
3:29
